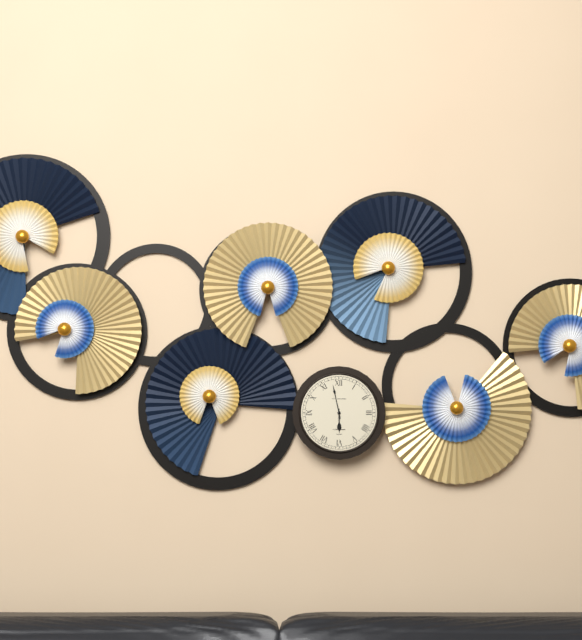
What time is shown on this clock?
5:58
